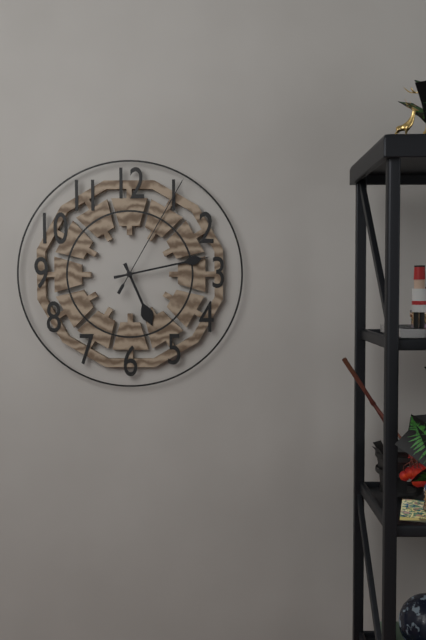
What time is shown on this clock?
5:13:05
